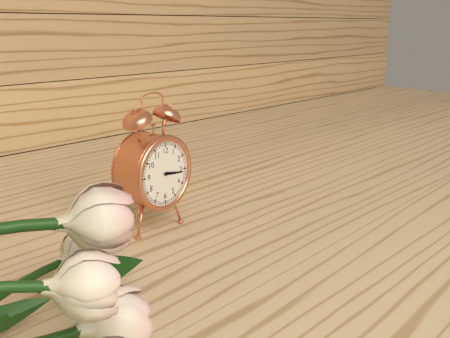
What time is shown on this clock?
3:16
